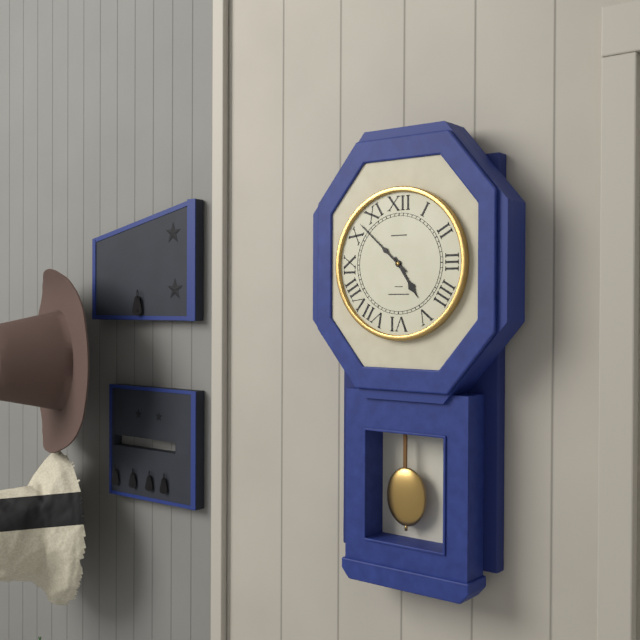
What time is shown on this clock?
4:52
